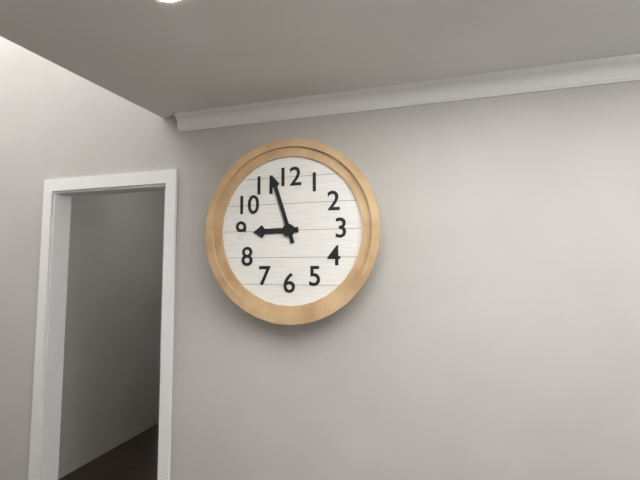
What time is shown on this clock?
8:57
